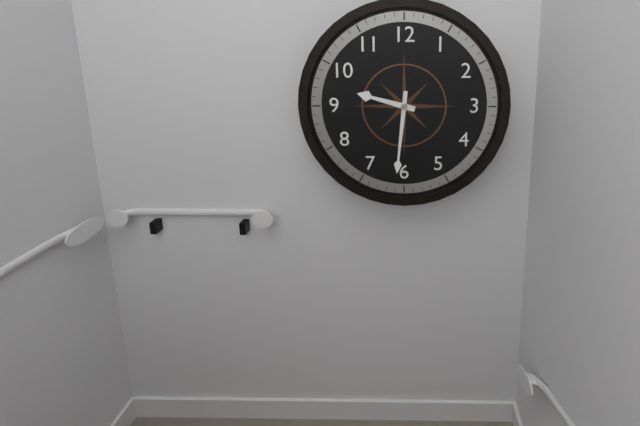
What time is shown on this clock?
9:31
